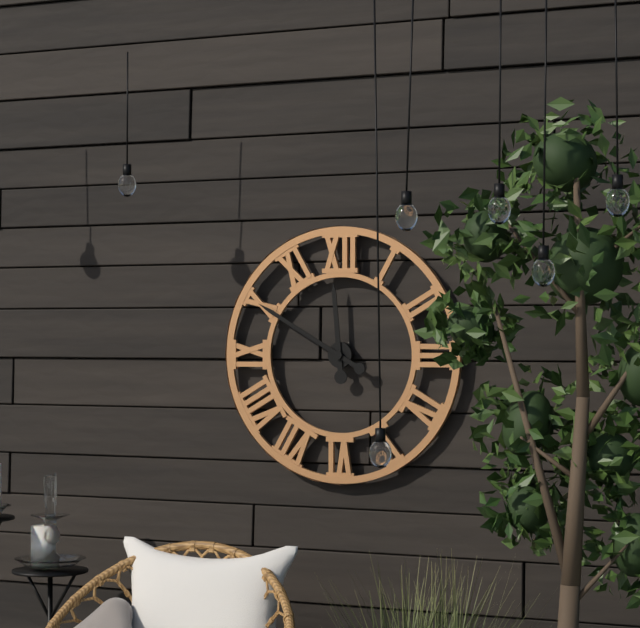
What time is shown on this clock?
11:50
